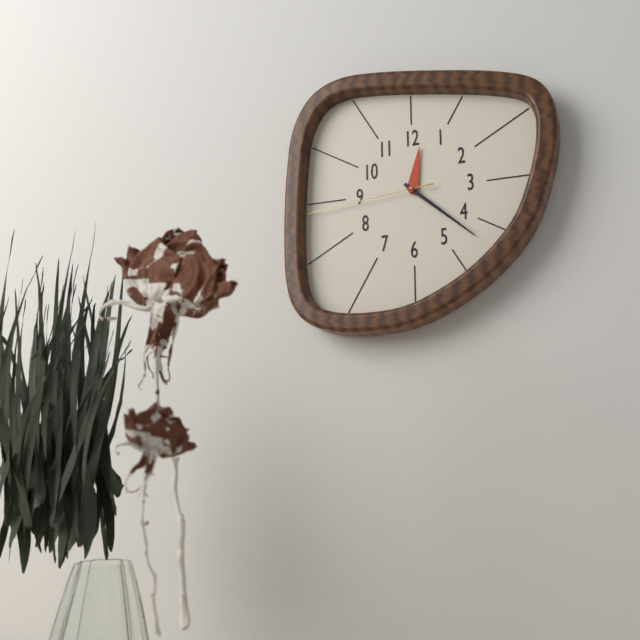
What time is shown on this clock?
12:22:44
